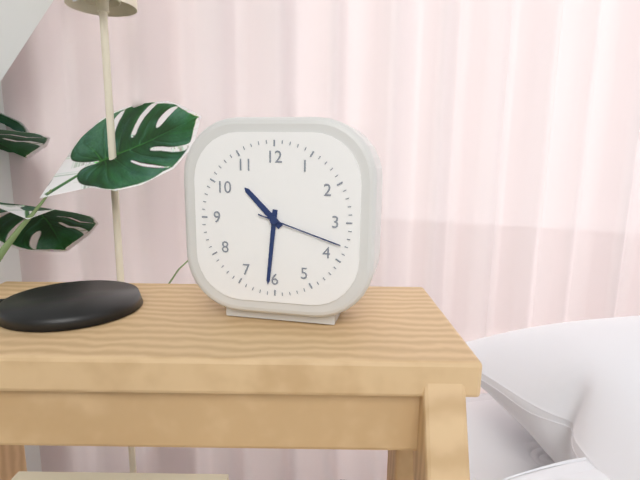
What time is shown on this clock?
10:31:18
